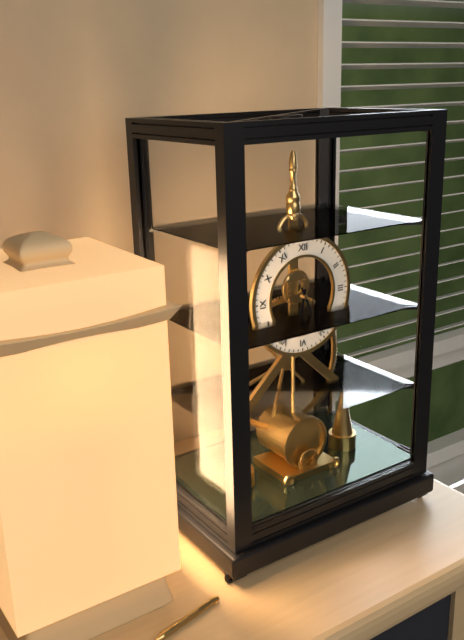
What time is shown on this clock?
6:26
